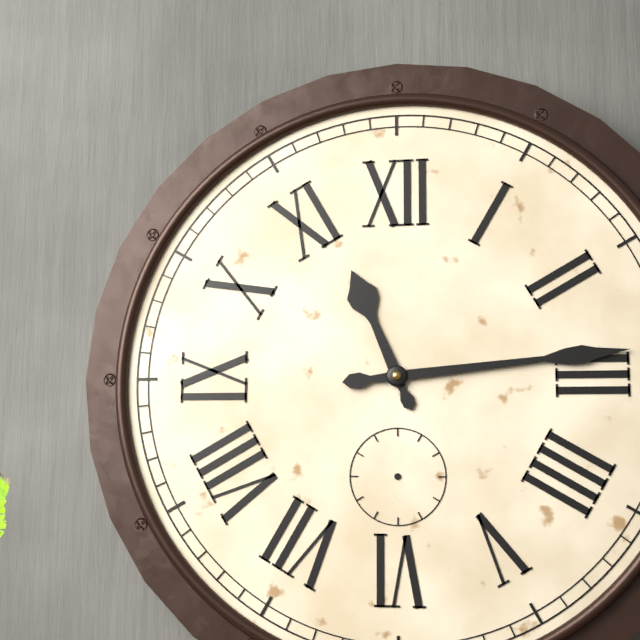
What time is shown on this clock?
11:14
